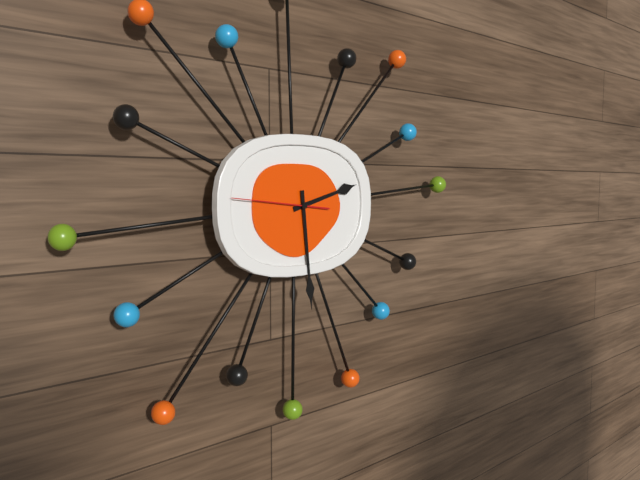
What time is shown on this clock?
2:29:46
